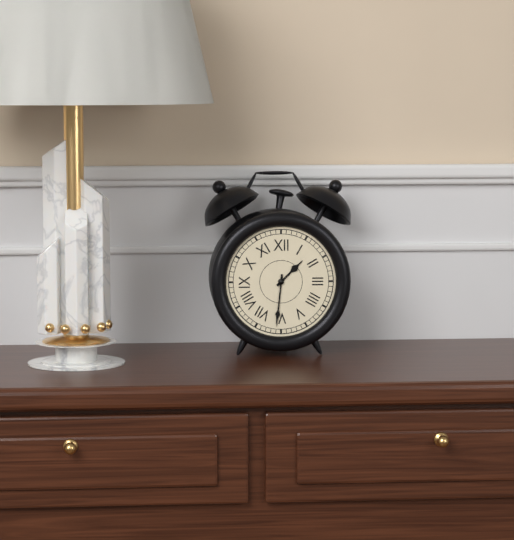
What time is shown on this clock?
1:31
